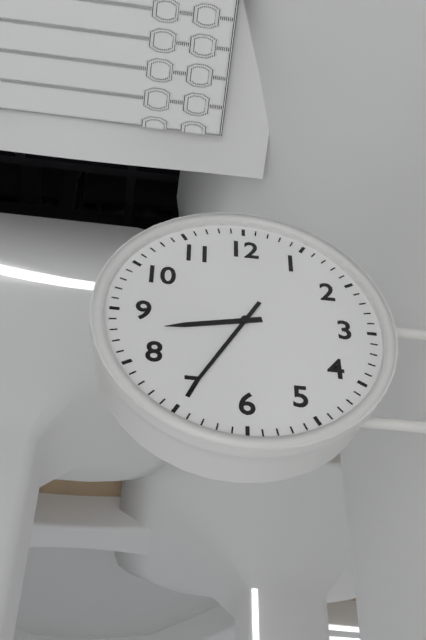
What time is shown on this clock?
8:35
